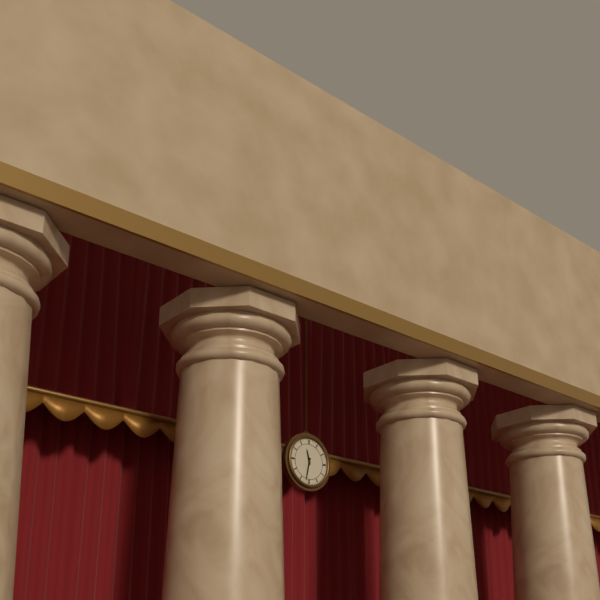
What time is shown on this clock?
11:32
